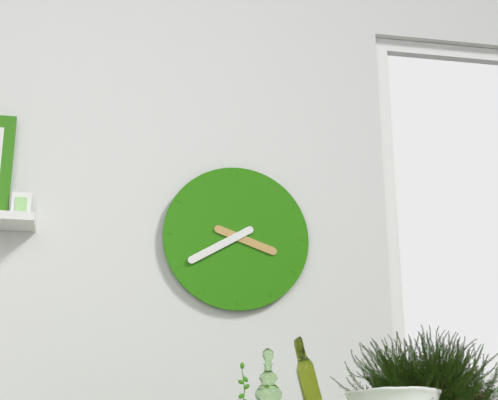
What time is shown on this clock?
3:40
